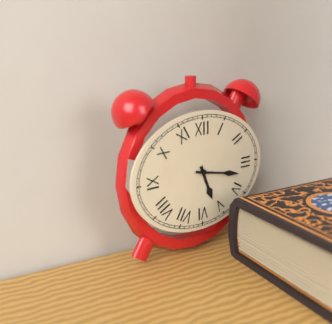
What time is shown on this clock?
5:17
